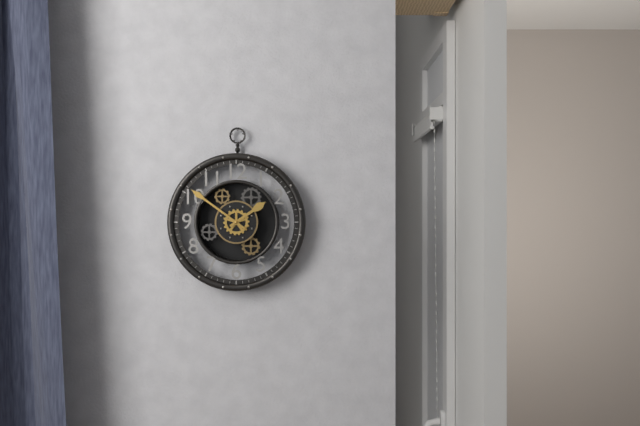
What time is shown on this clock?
1:51
